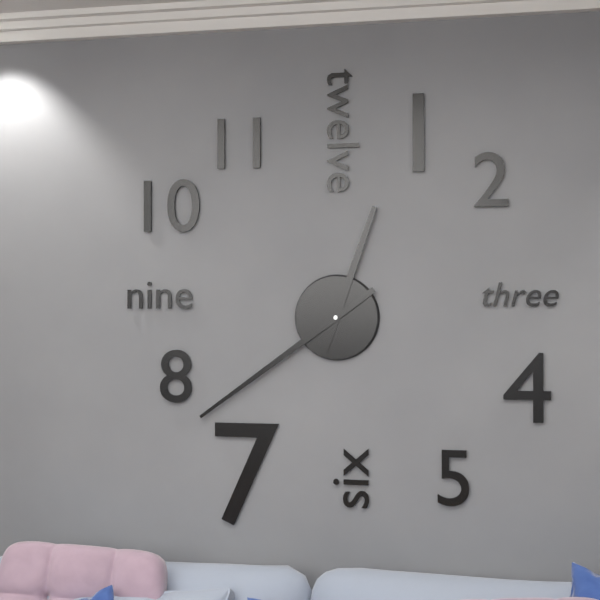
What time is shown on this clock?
12:39
